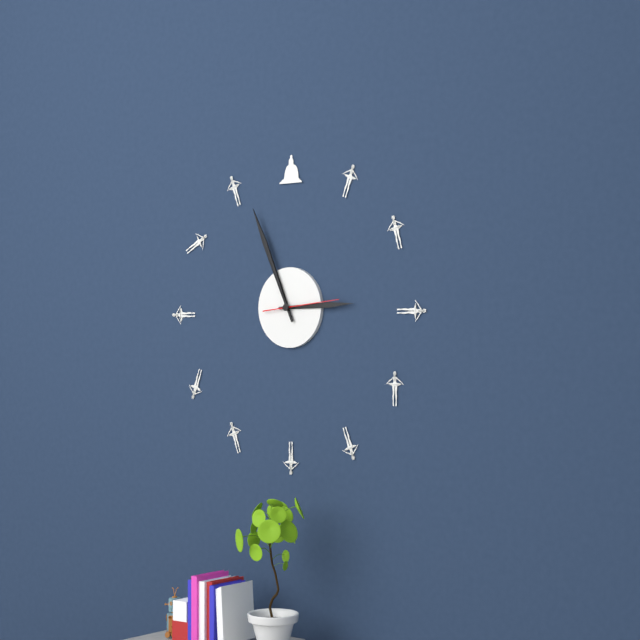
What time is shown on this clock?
2:56:14
